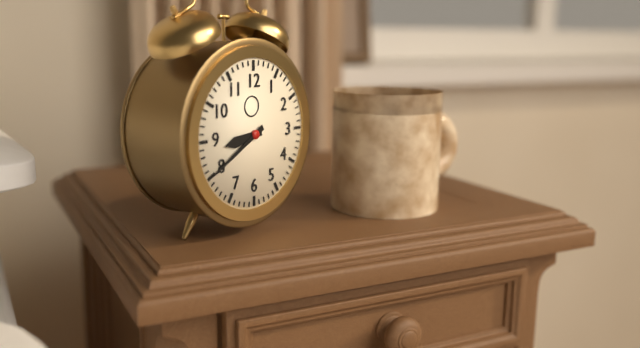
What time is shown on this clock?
8:40
